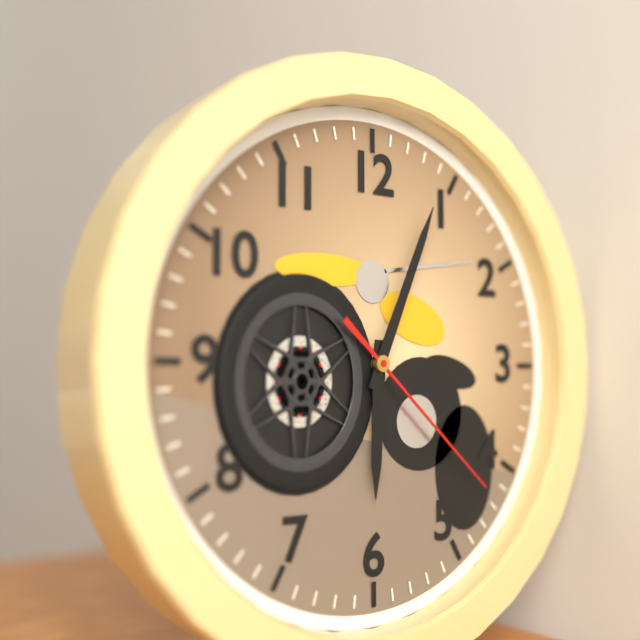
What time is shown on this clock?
6:04:22
